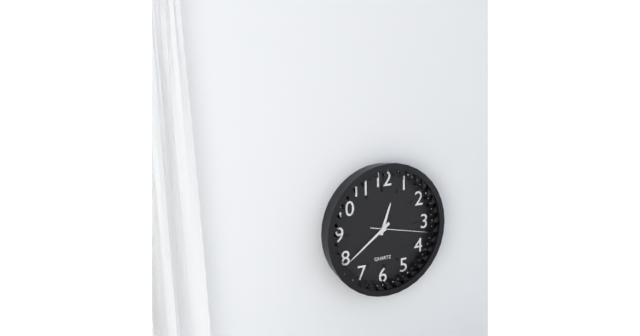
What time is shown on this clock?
12:39:17
